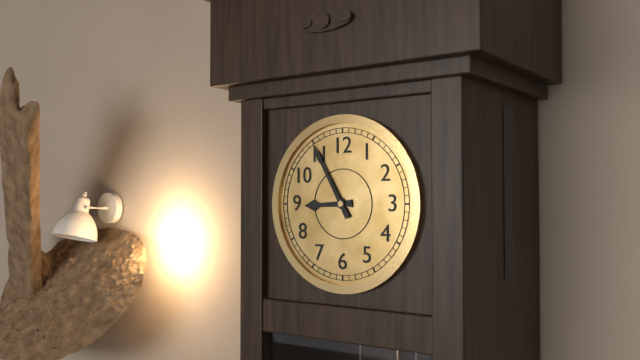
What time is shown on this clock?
8:55
